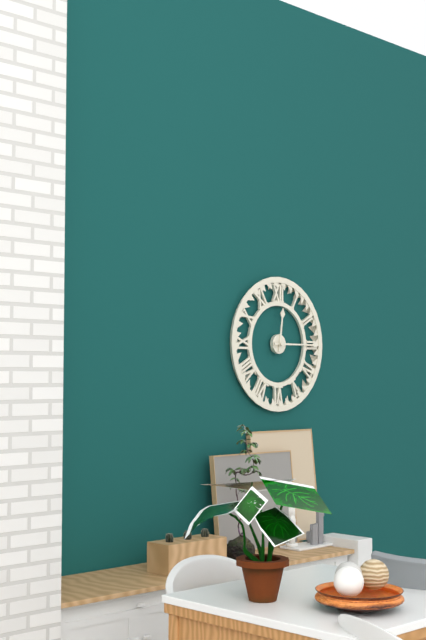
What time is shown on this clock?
12:15
